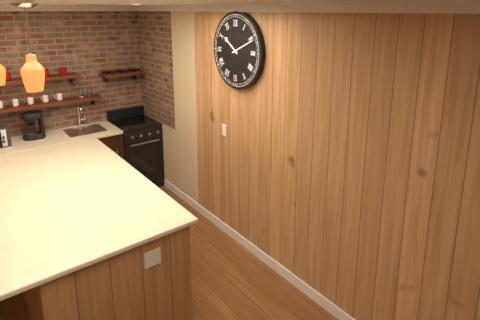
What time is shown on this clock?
10:11
